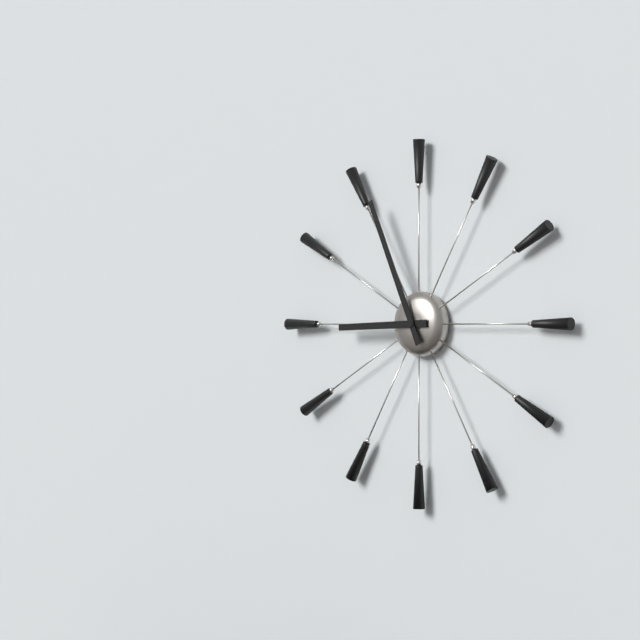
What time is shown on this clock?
8:56
